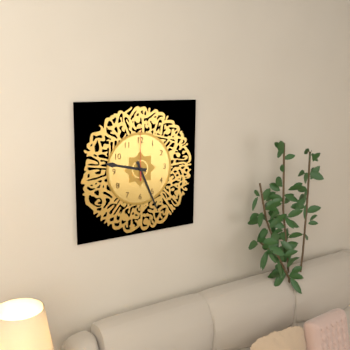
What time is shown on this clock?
9:26:00
